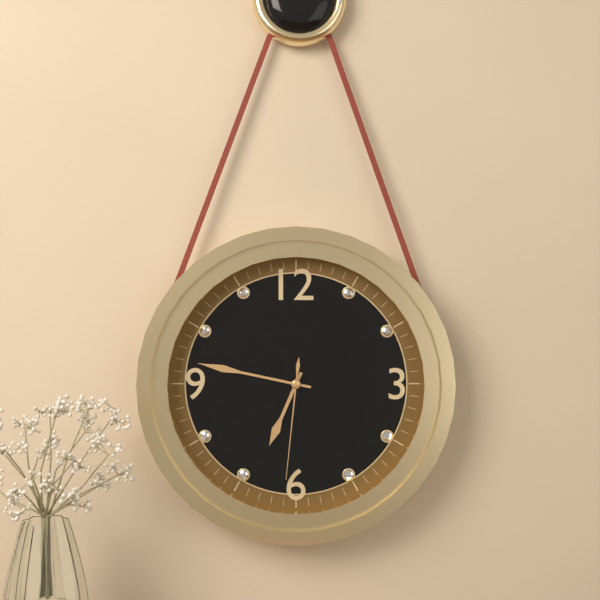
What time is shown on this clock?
6:47:31
